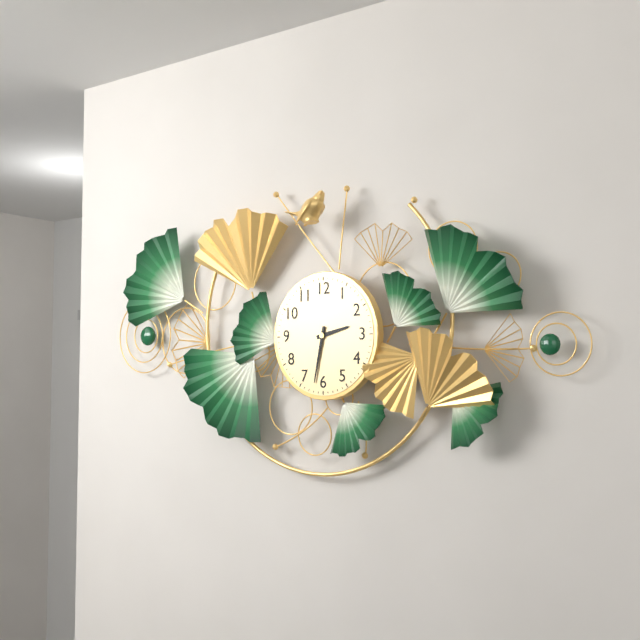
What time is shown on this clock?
2:32
